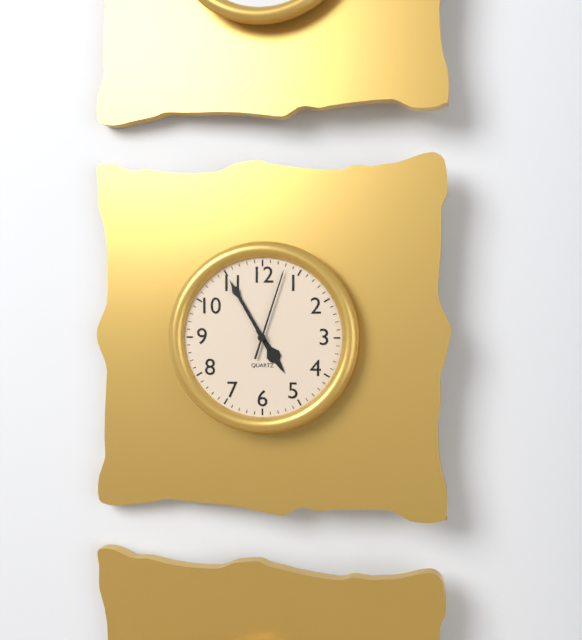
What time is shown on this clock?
4:55:03
